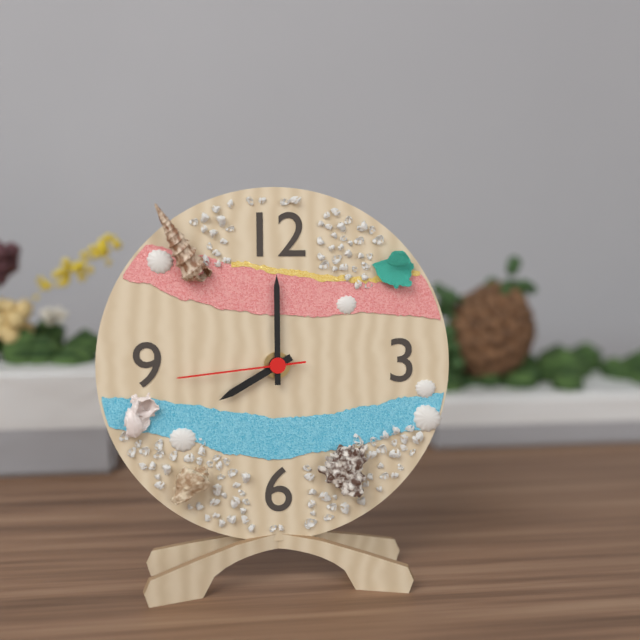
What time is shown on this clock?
8:00:44
